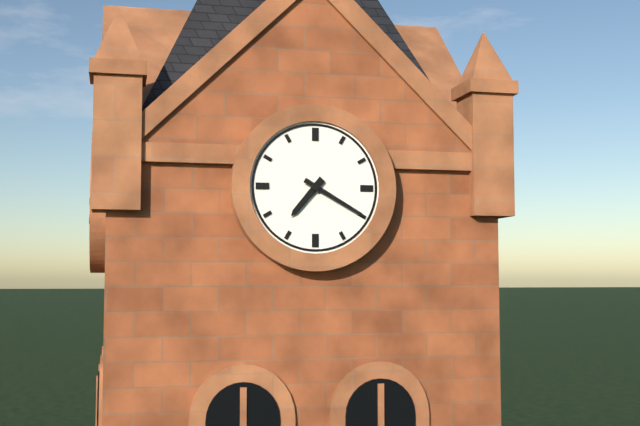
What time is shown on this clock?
7:20
